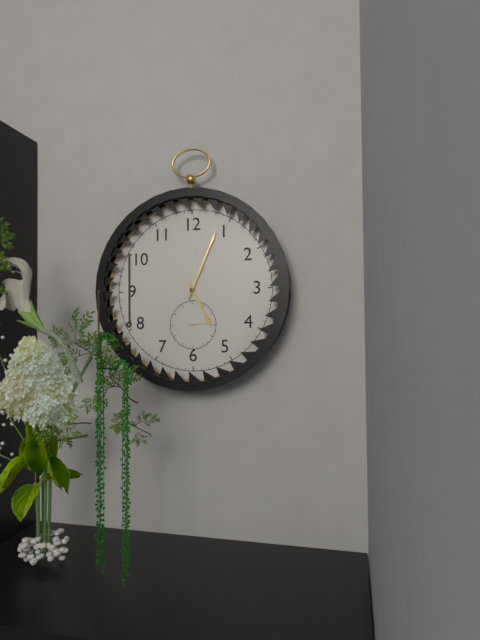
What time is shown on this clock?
5:04
